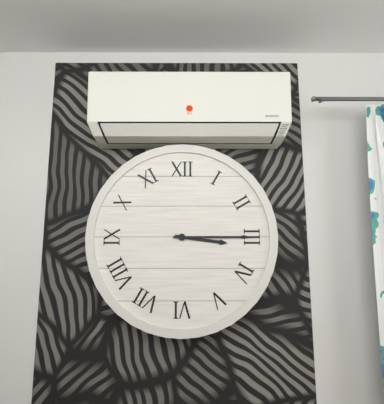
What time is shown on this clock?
3:15
